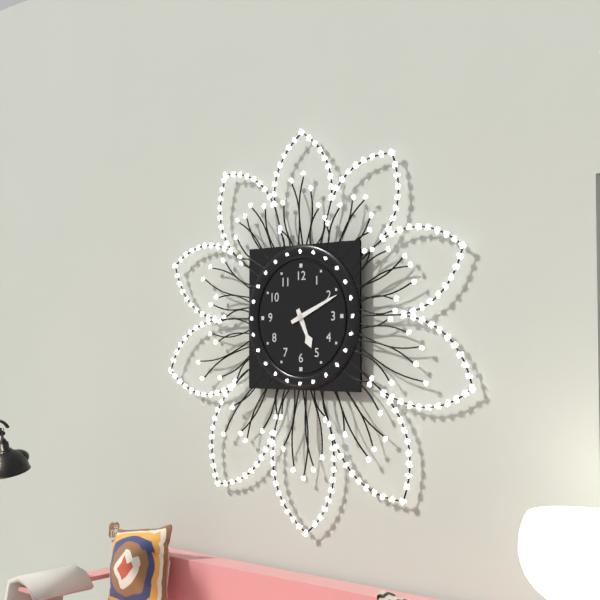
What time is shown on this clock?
5:11
